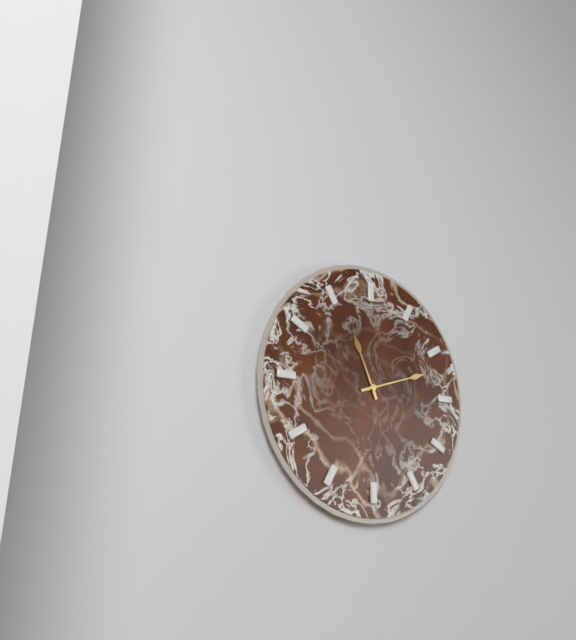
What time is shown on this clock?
11:12
